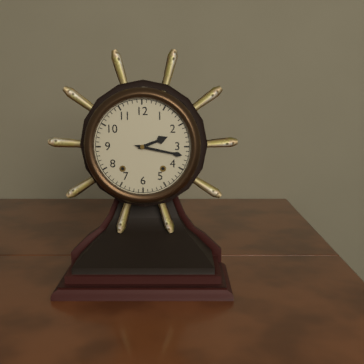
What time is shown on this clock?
2:17
